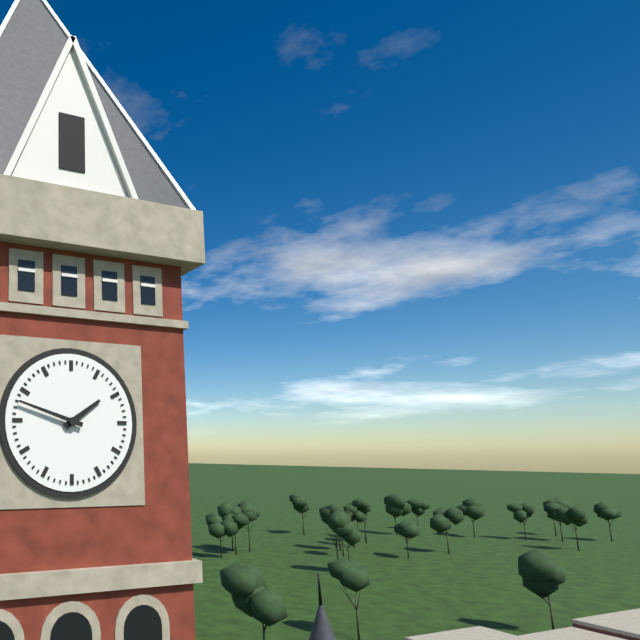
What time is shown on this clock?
1:48
